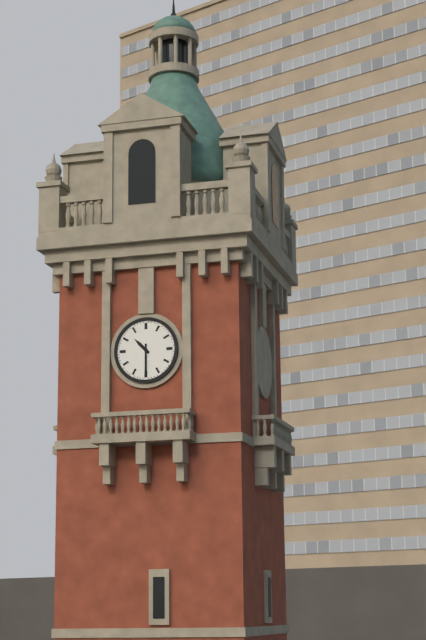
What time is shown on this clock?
10:30
